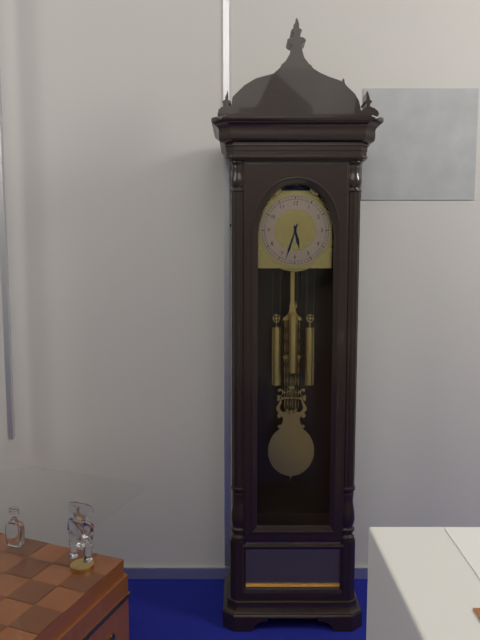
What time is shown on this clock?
5:33
